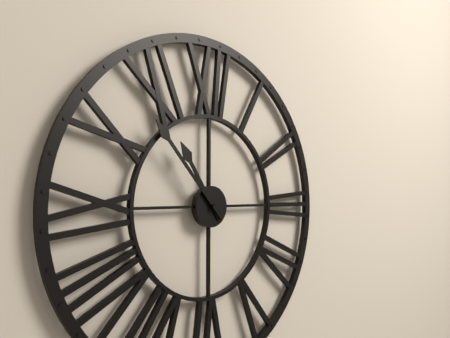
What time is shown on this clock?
10:53
